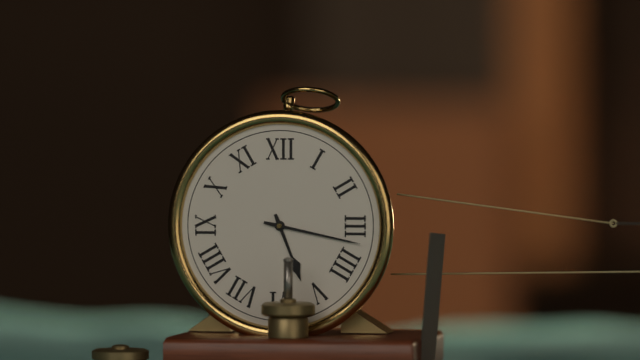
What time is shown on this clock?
5:17
